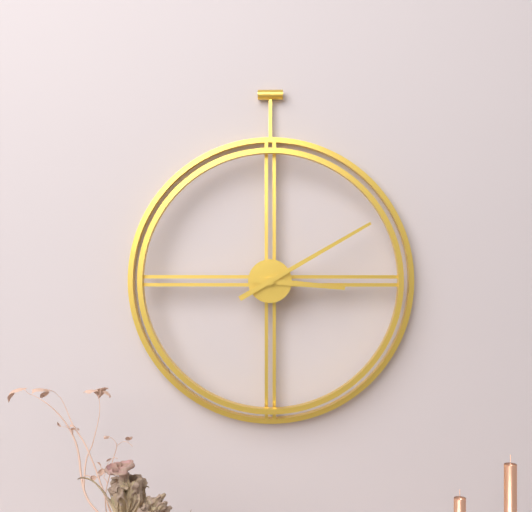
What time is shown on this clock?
3:10
